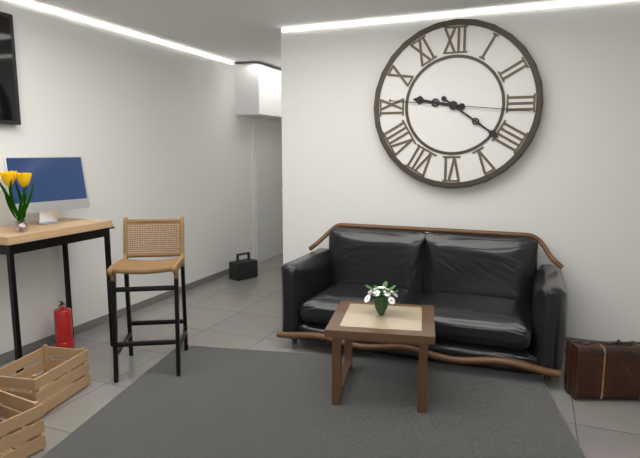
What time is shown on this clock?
9:21:16
